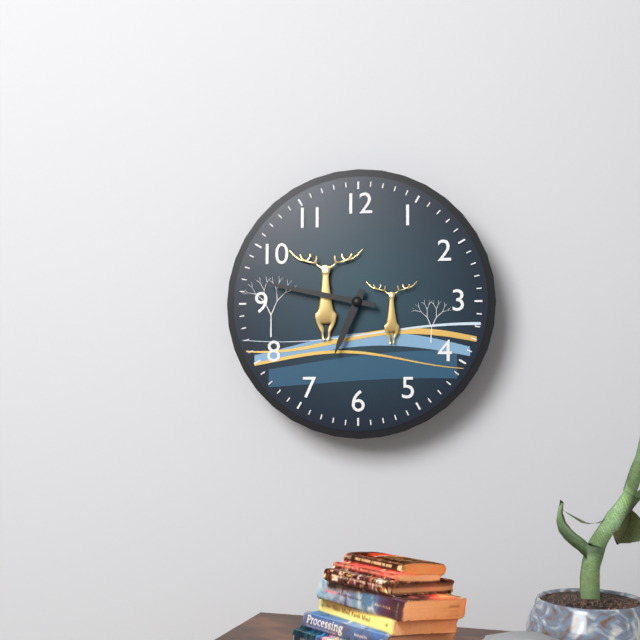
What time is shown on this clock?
6:47
